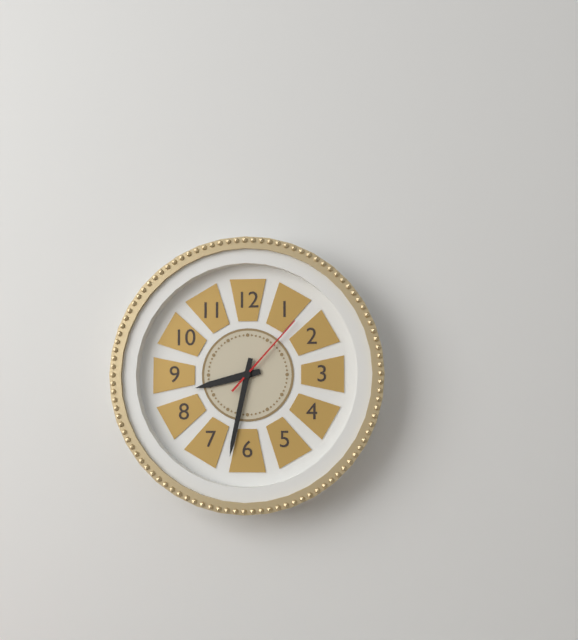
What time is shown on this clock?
8:32:07
